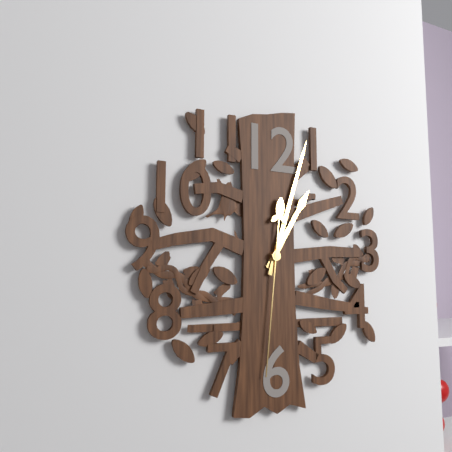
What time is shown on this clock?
1:03:31
